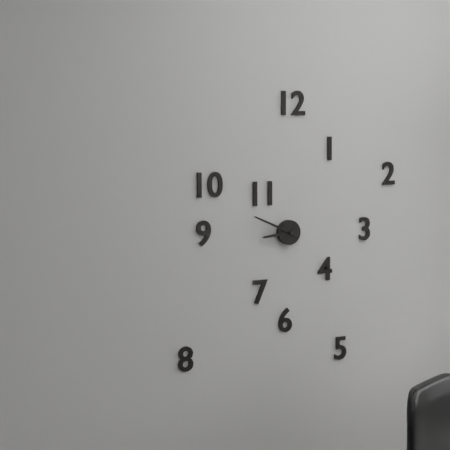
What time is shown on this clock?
8:49
